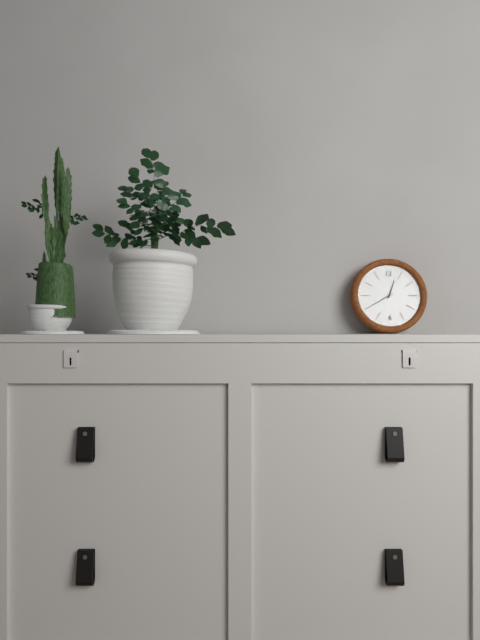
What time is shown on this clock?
12:40
